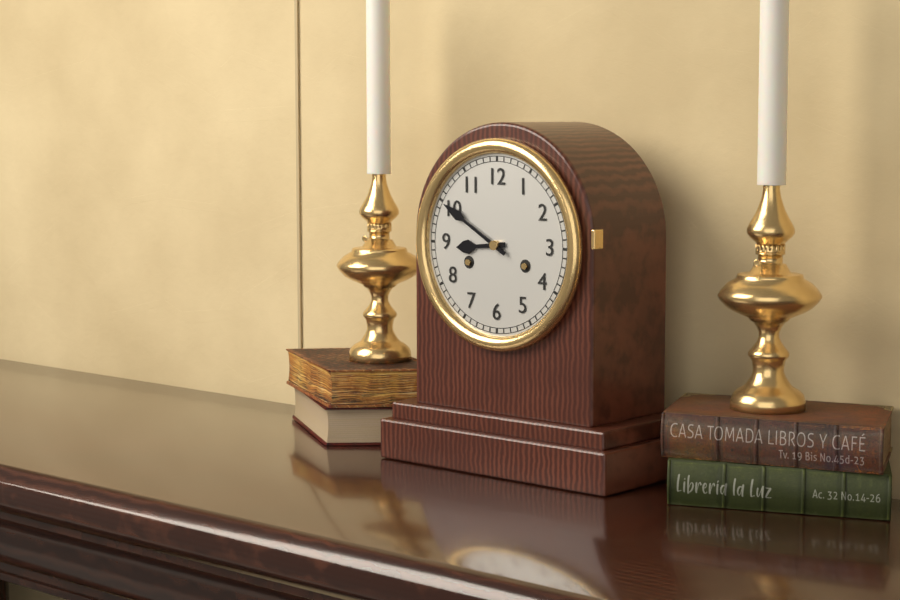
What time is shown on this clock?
8:50
